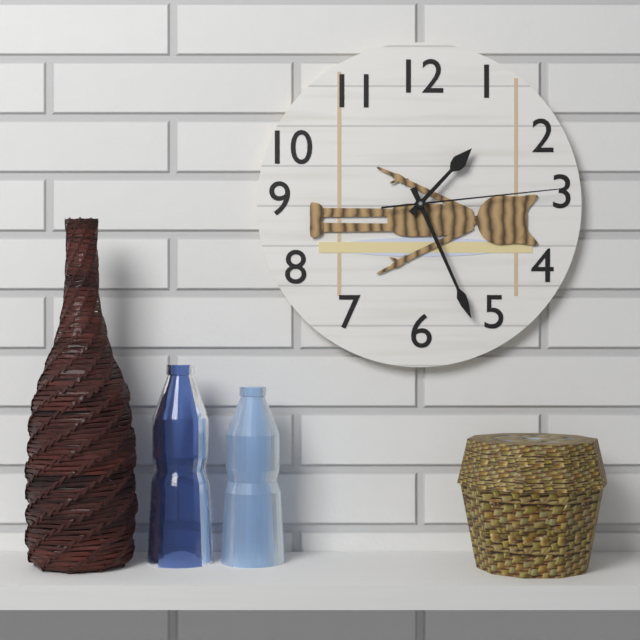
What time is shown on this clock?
1:26:14
